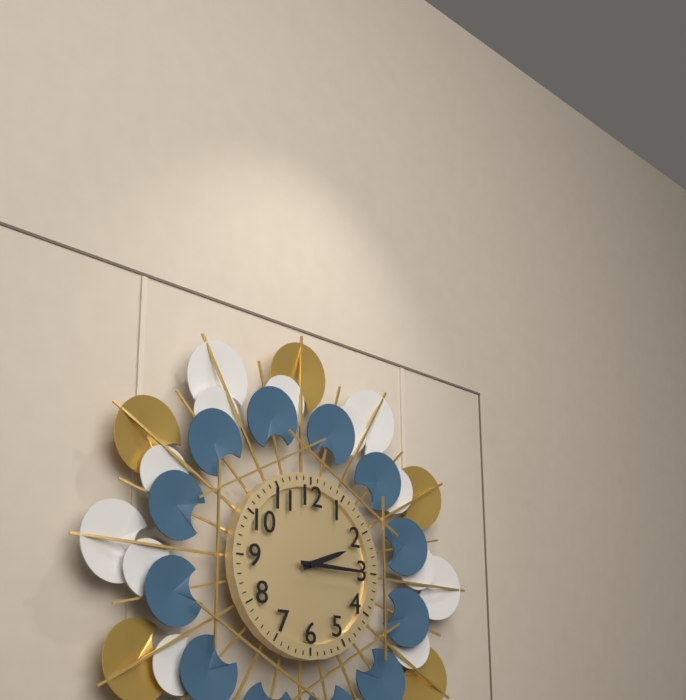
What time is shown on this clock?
2:15
